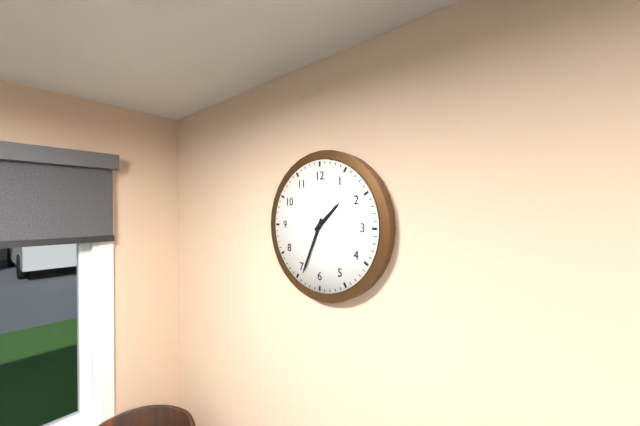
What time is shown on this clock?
1:34
